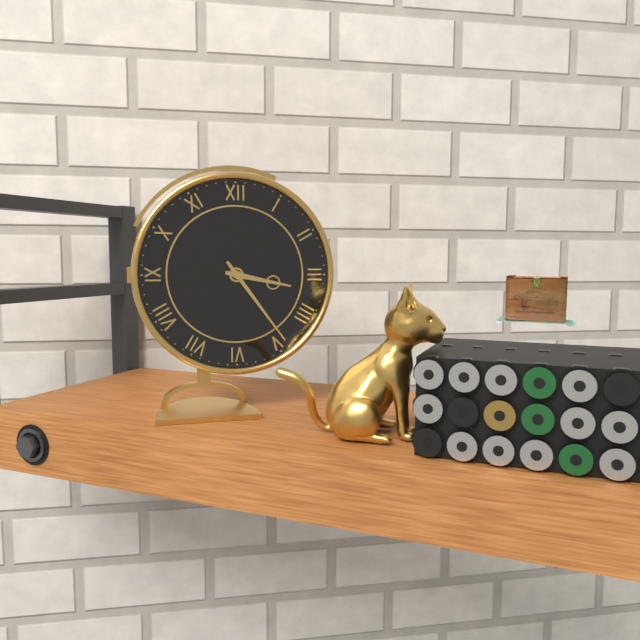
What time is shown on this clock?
3:24
